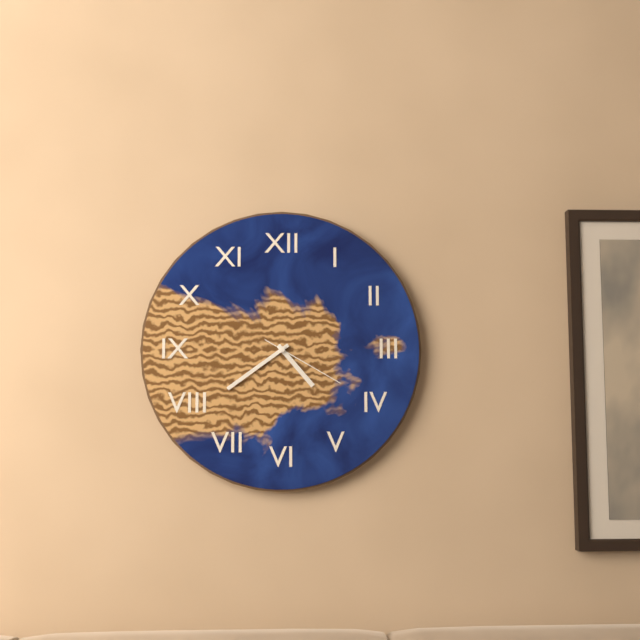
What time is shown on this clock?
4:39:20
